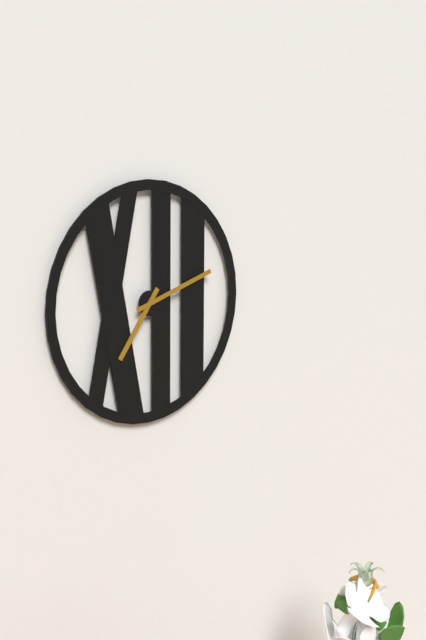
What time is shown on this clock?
7:12
